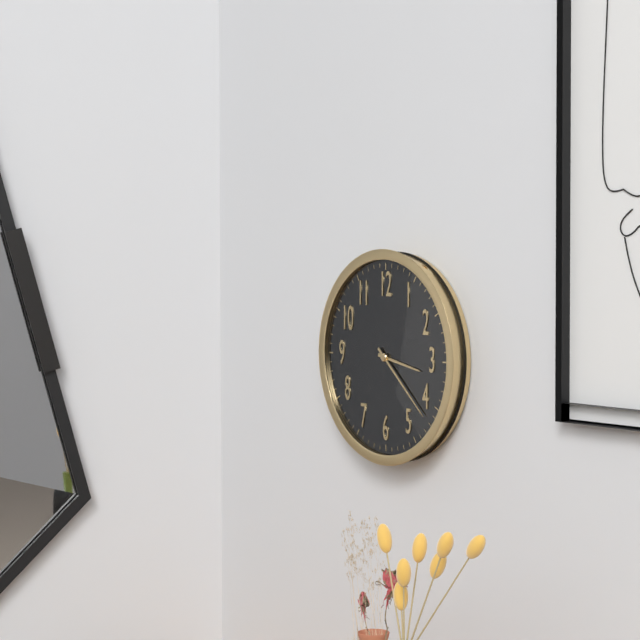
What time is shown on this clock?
3:22
